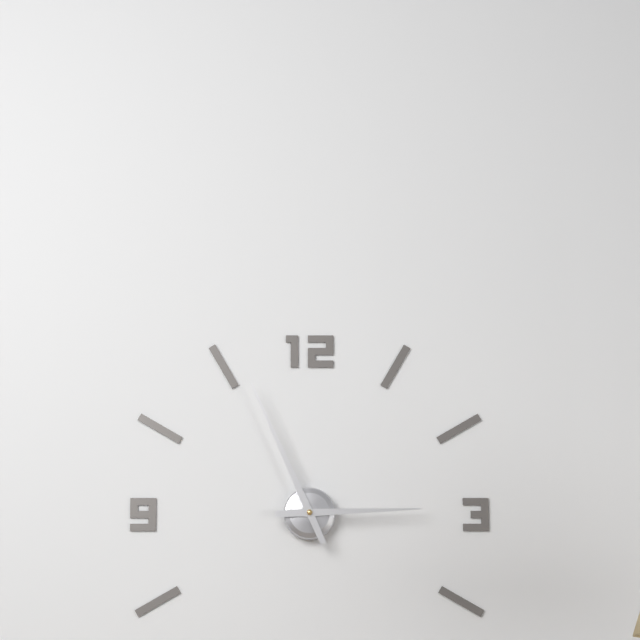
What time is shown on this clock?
2:56
